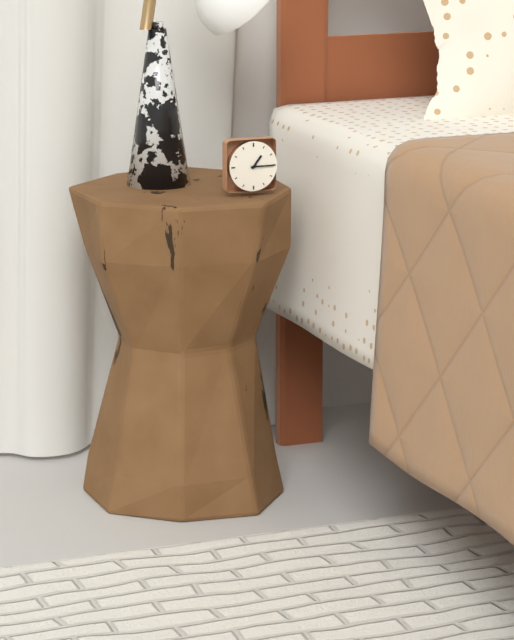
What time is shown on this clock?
1:15
